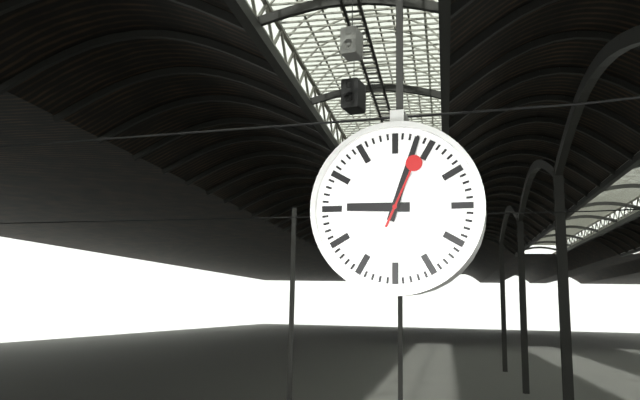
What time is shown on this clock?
9:03:04
